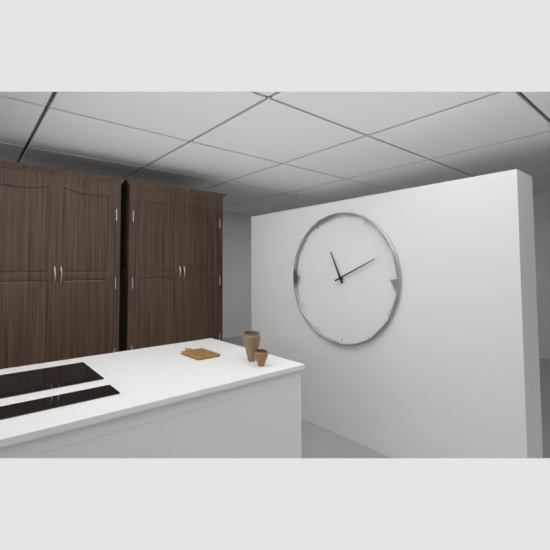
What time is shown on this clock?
11:11
